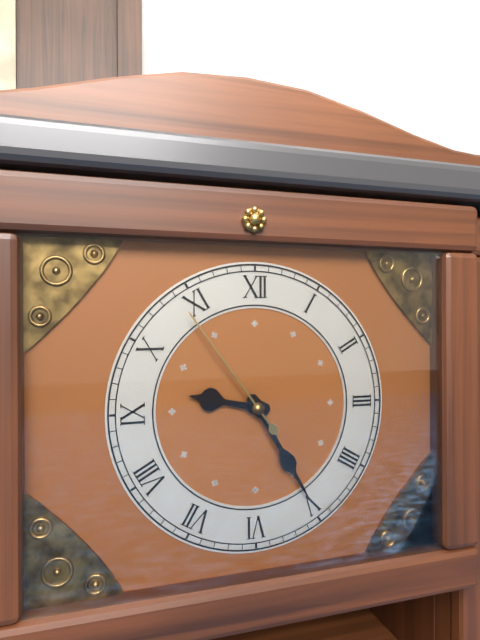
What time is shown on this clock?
9:25:54
